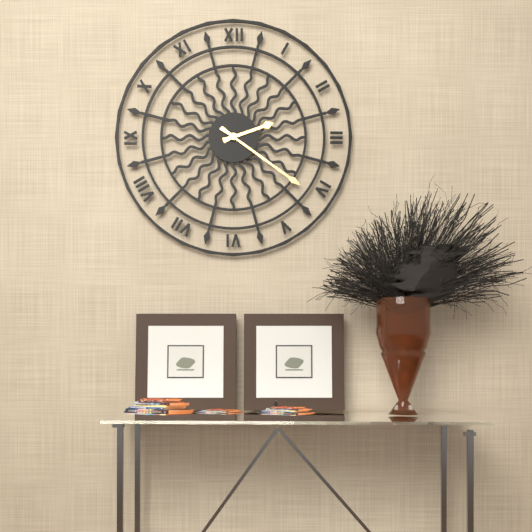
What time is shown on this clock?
2:21
